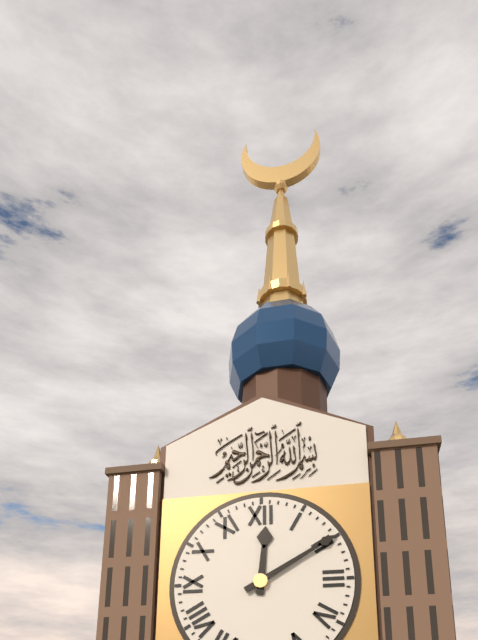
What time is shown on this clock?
12:10
